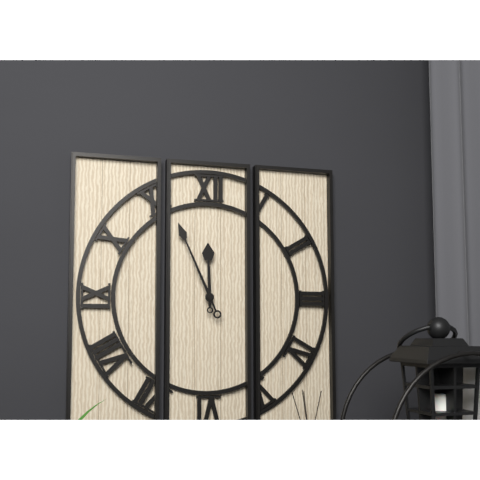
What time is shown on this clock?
11:56
